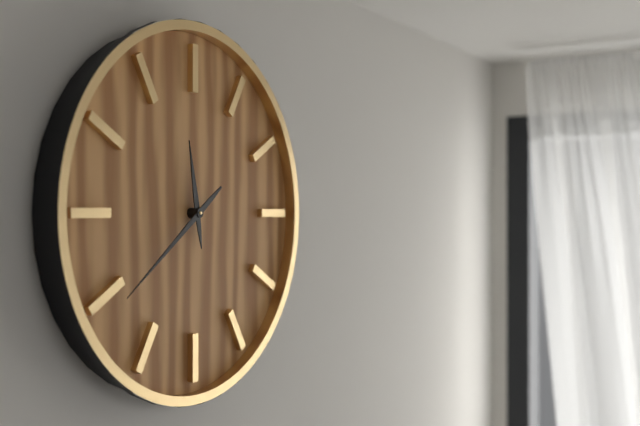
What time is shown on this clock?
11:39
